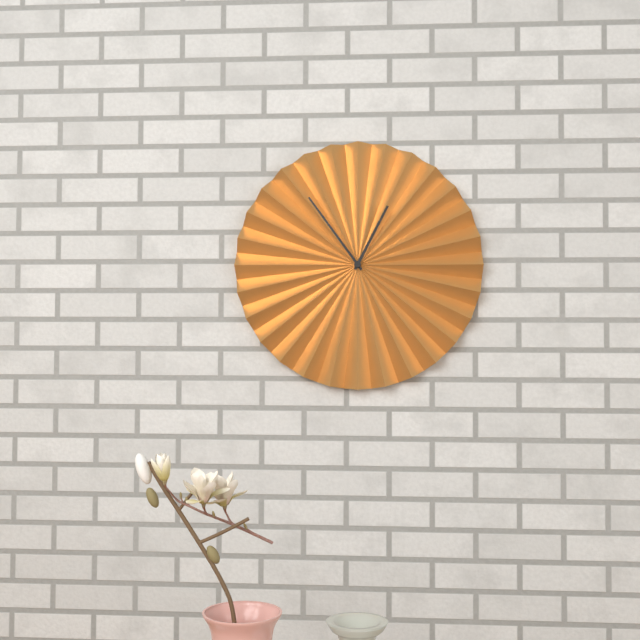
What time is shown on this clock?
12:54
